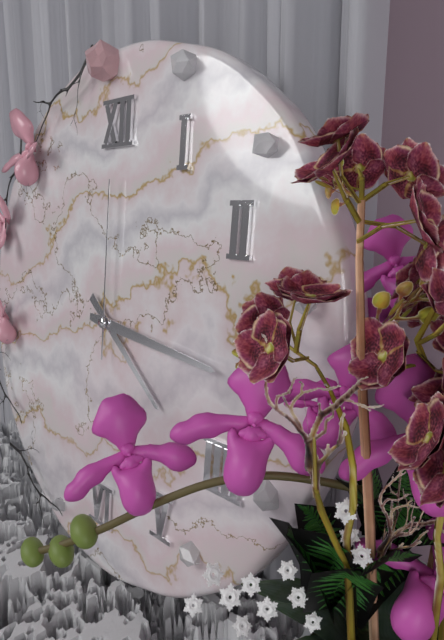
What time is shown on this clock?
4:16:00
